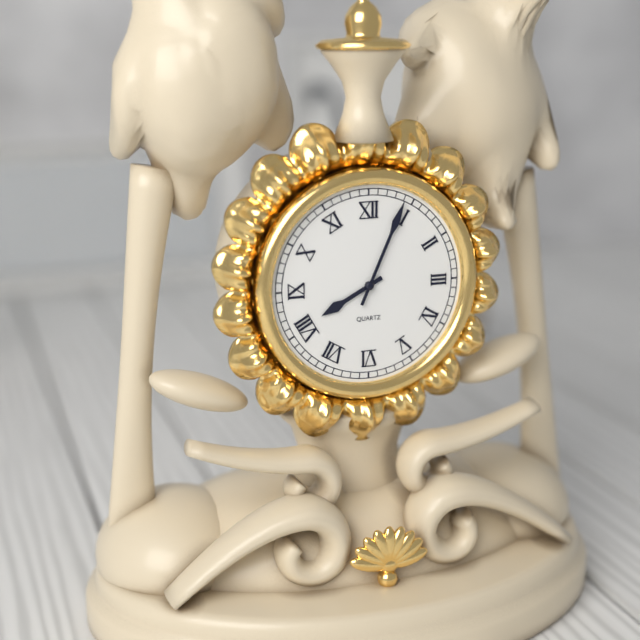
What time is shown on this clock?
8:04
